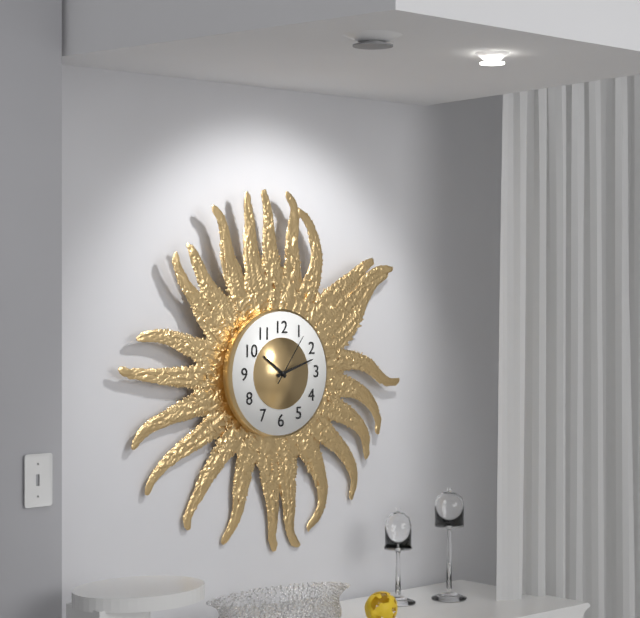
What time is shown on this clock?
10:12:06
